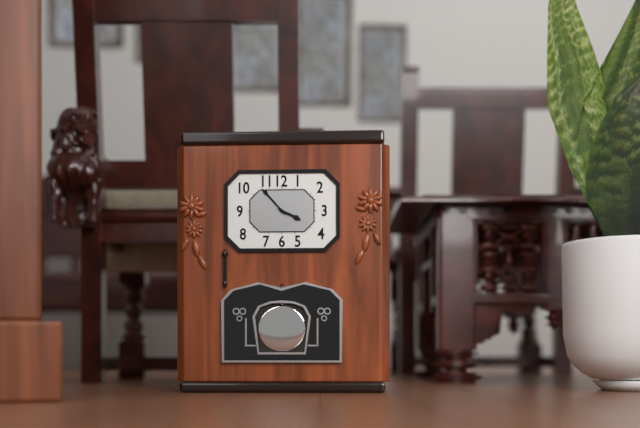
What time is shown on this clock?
3:53
